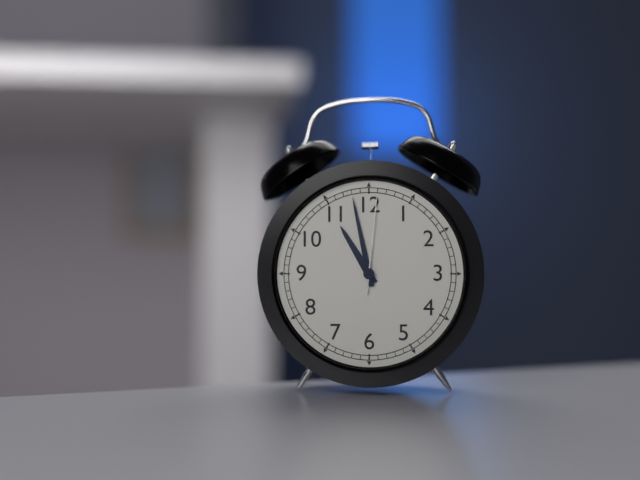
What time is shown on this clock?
10:58:01
